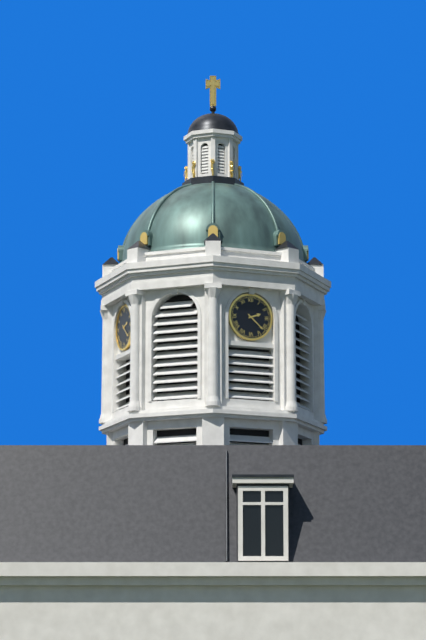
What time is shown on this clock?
2:22
